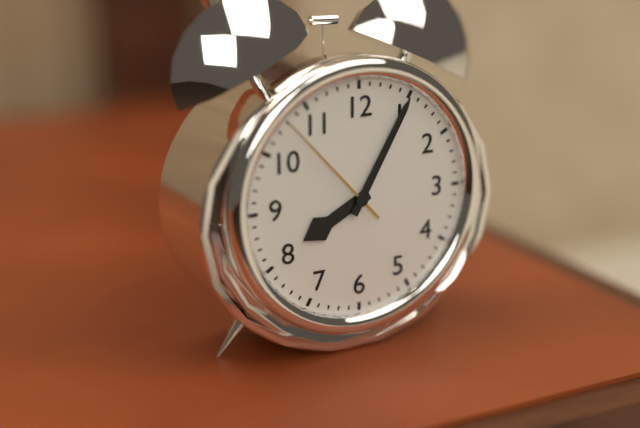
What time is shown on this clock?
8:05:53
